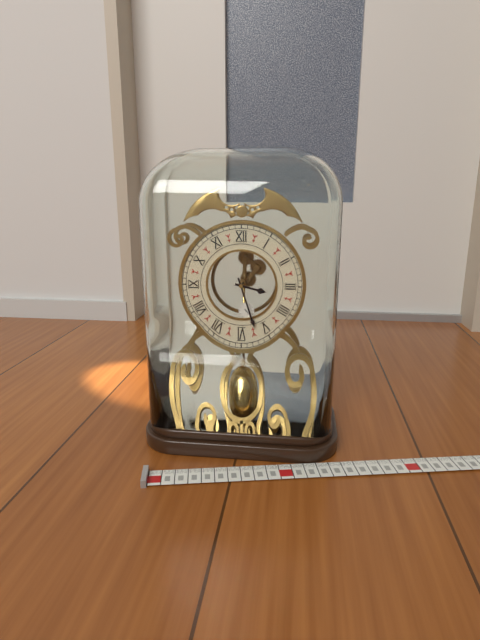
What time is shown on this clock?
3:27
